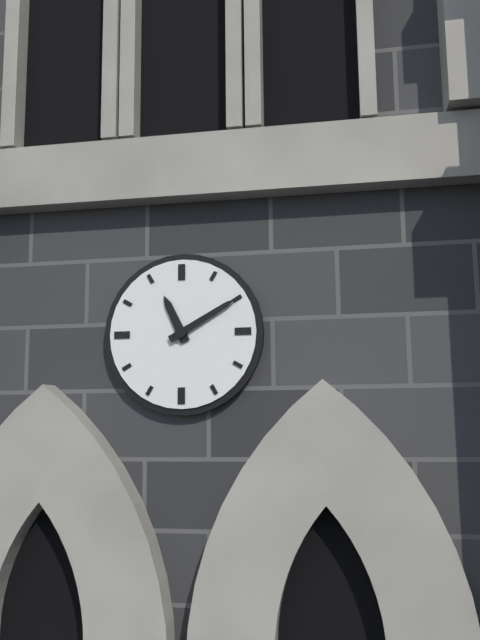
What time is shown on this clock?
11:10
